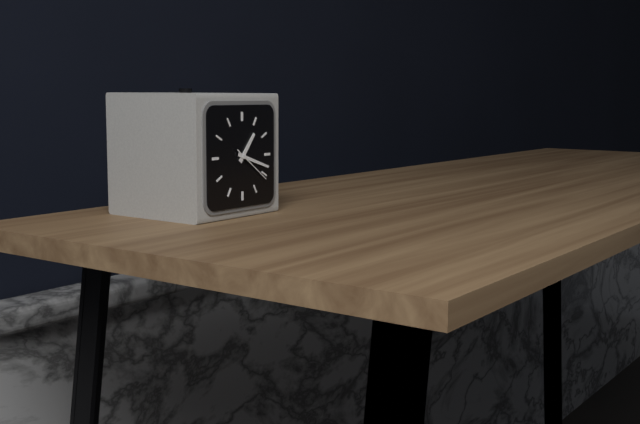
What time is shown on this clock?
1:18
